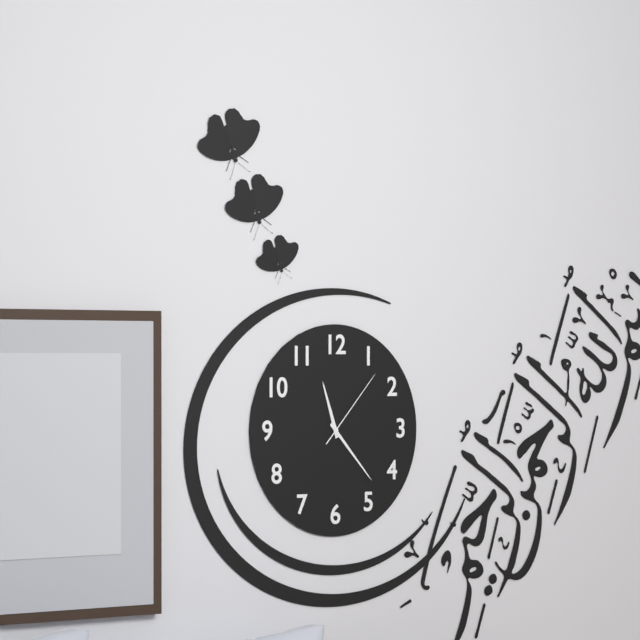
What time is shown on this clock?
11:23:07
